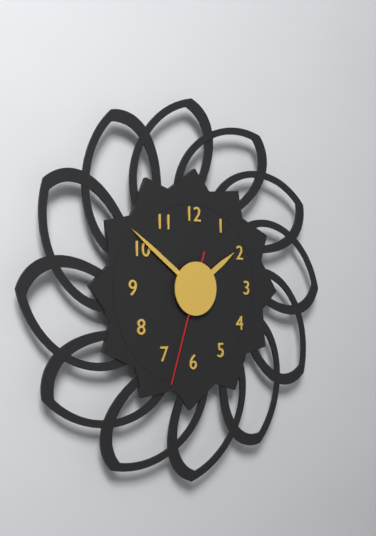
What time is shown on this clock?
1:51:33
